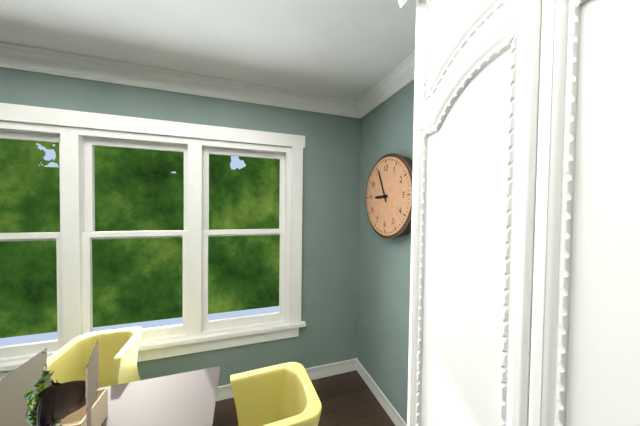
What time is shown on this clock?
8:56
